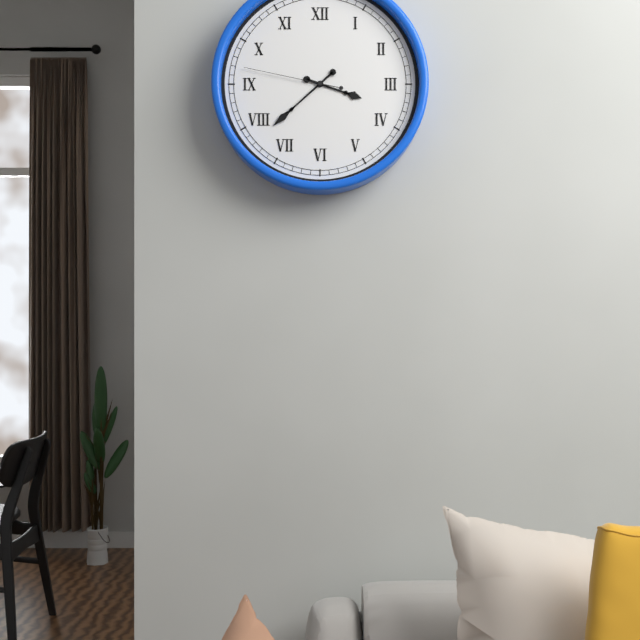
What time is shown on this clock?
3:38:47
